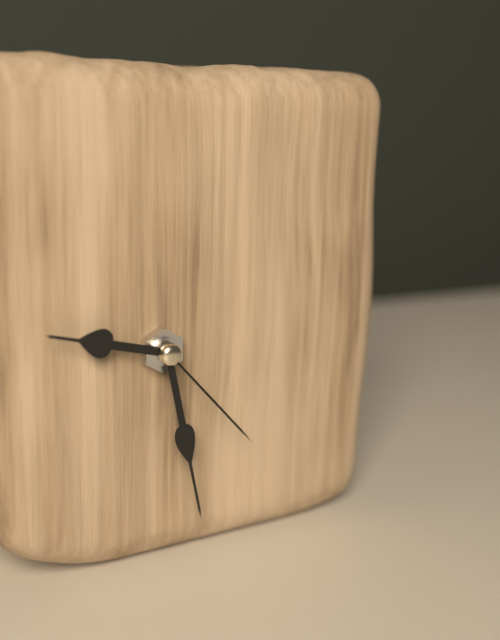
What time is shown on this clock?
9:28:23
